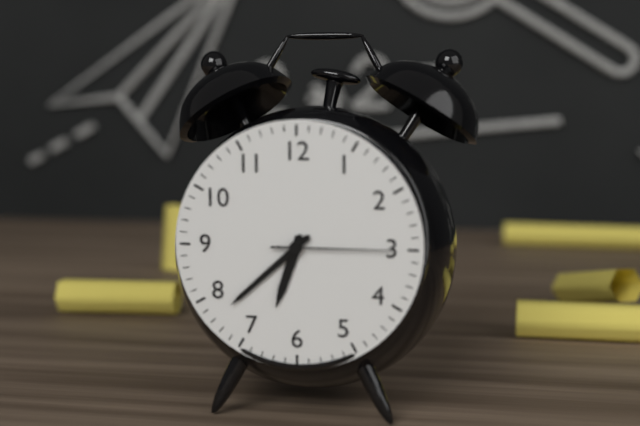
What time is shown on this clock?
6:38:15
